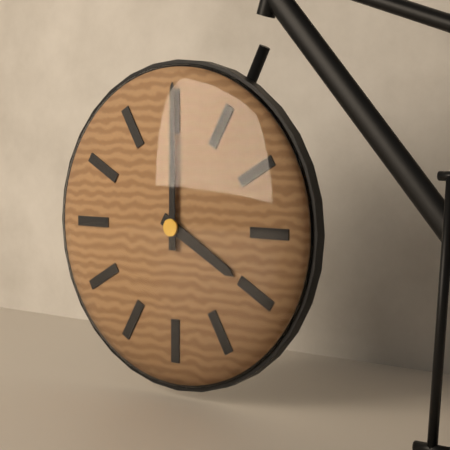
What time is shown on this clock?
4:00
